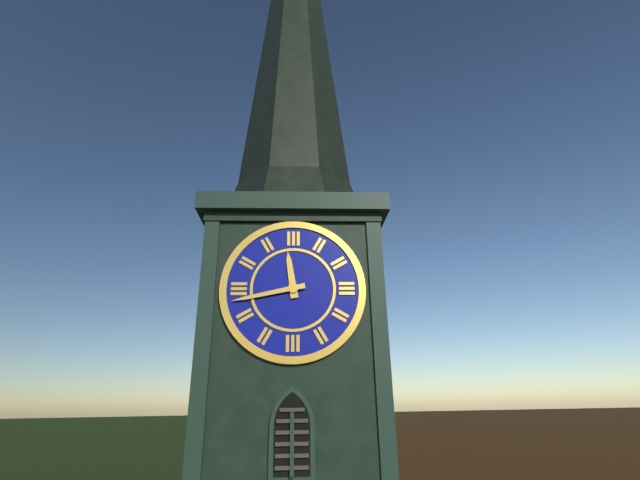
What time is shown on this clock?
11:43
